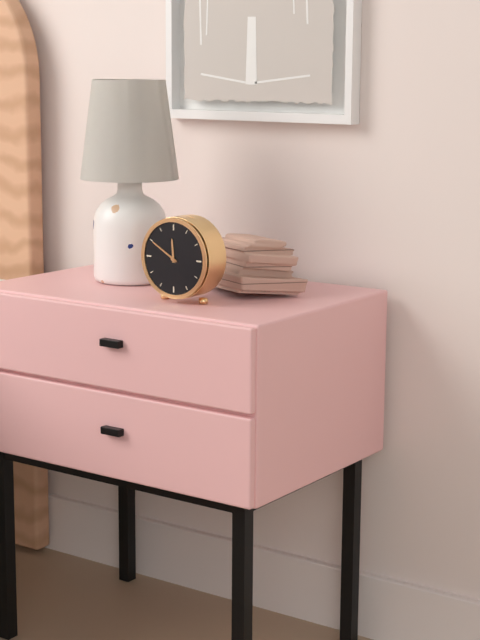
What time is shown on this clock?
11:50
